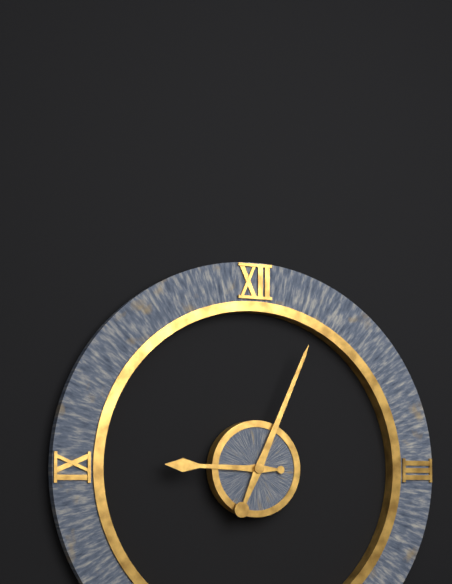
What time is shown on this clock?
9:04
